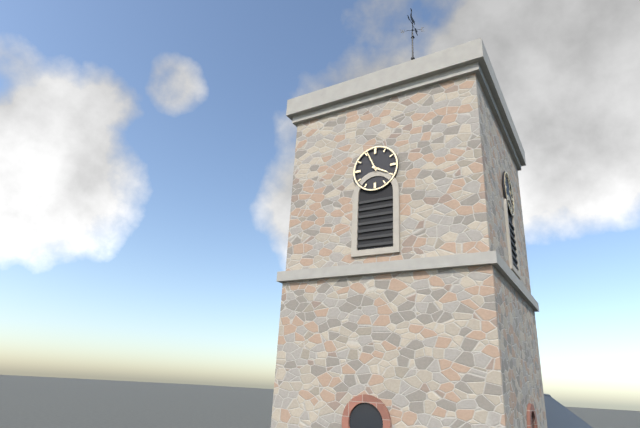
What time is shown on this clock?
3:56
